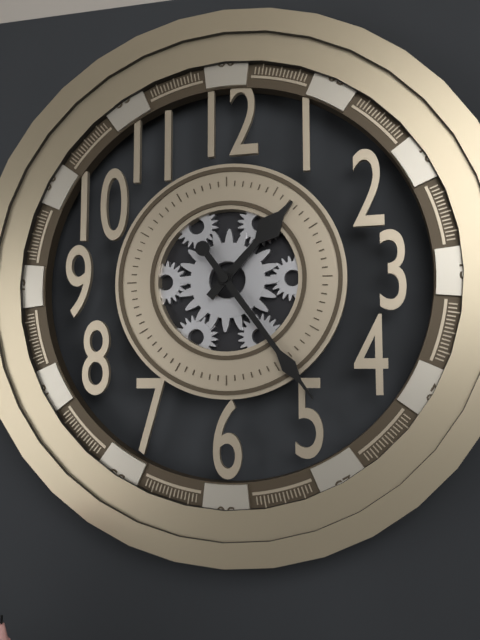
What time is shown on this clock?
1:24
